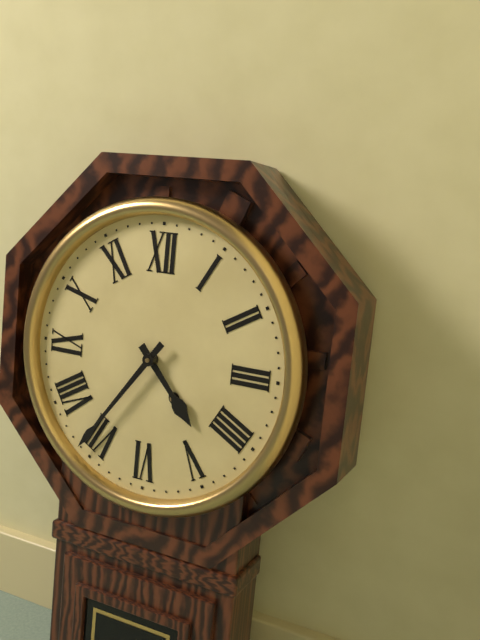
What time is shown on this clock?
4:36
